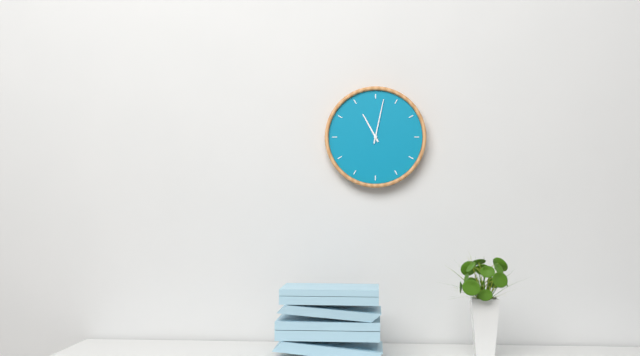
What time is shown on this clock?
11:02
